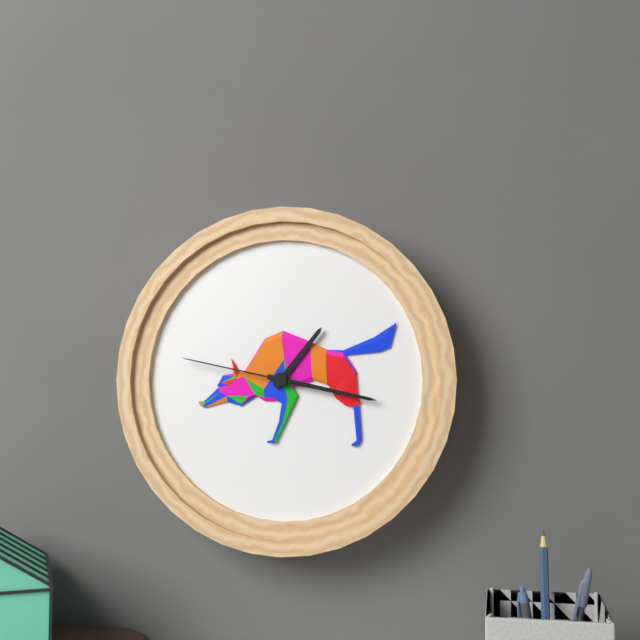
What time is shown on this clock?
1:17:47
